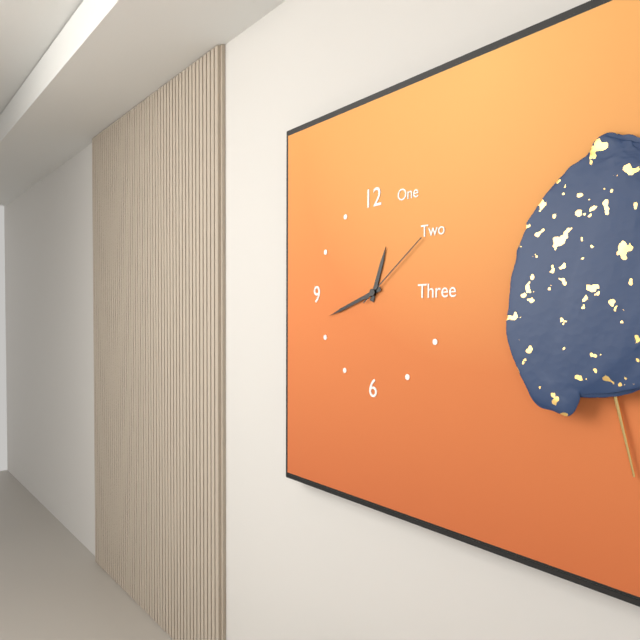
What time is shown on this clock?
12:42:09
